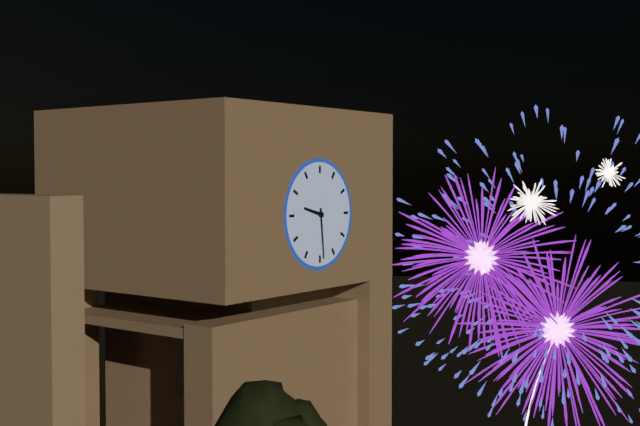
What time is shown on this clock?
9:29
